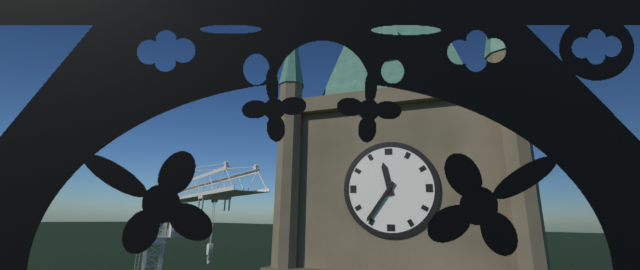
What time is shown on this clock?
11:36
